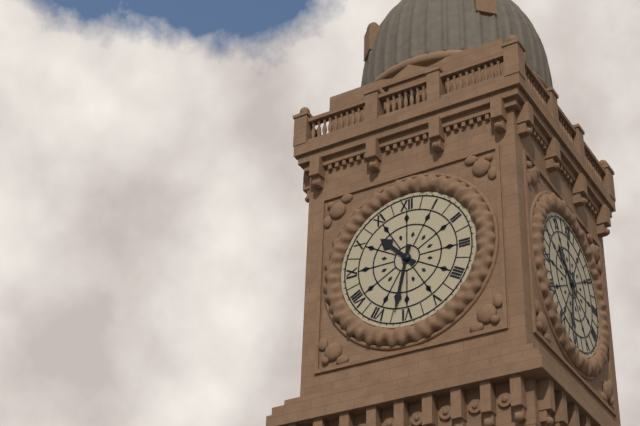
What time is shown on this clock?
10:32
